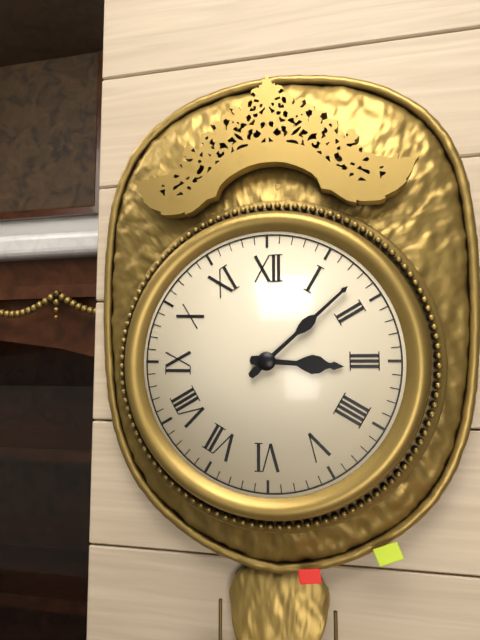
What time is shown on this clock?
3:08
